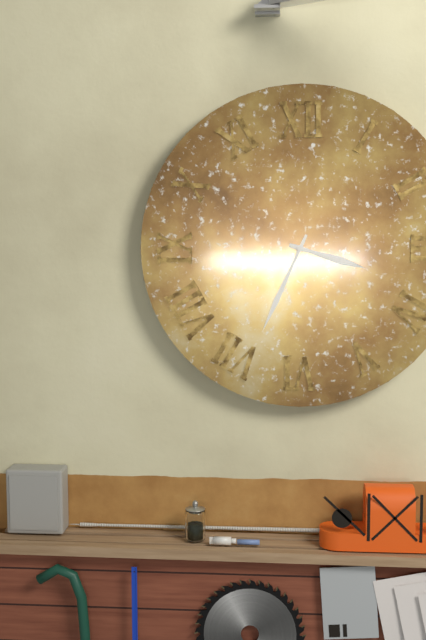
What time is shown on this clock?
3:34
